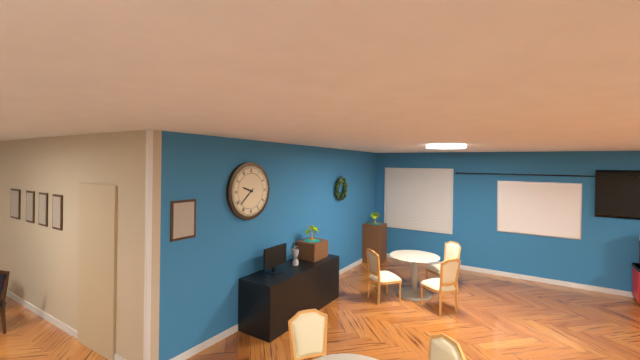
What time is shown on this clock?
9:38
